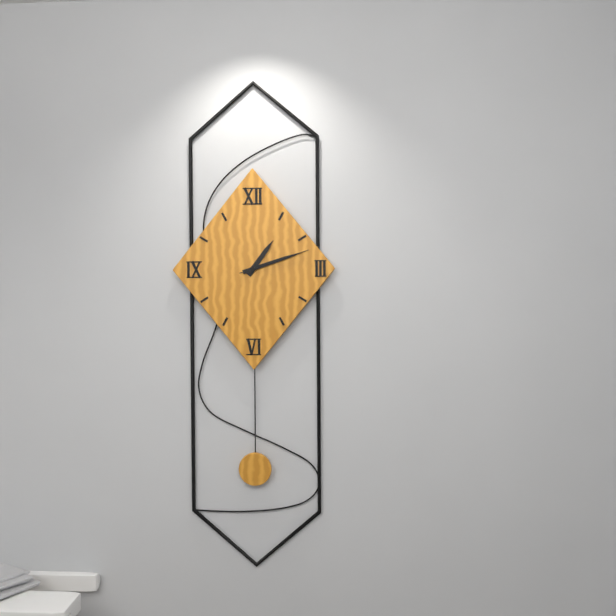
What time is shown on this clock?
1:12:12
